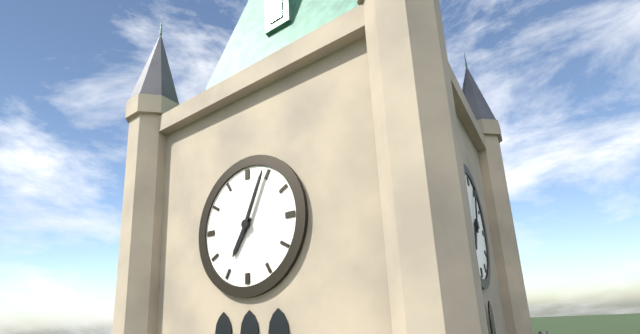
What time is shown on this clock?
7:04
